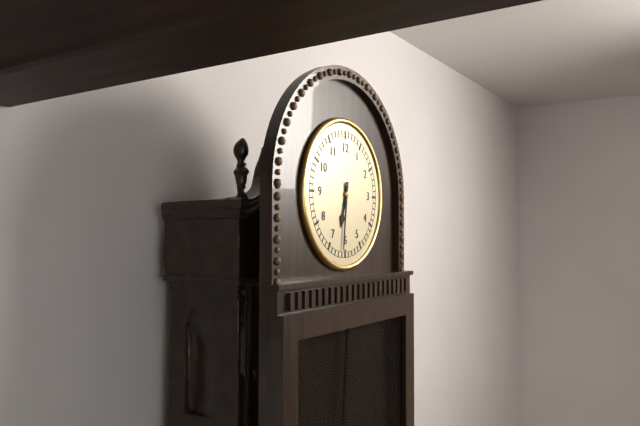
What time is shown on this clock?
6:31
